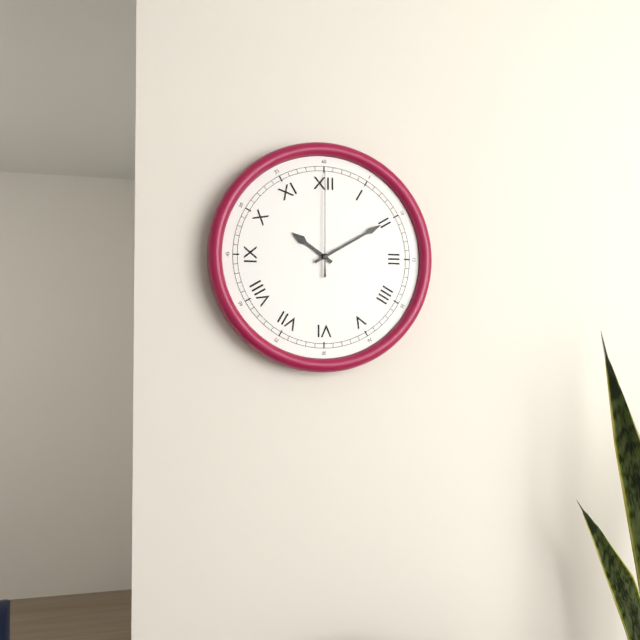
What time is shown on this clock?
10:10:00
